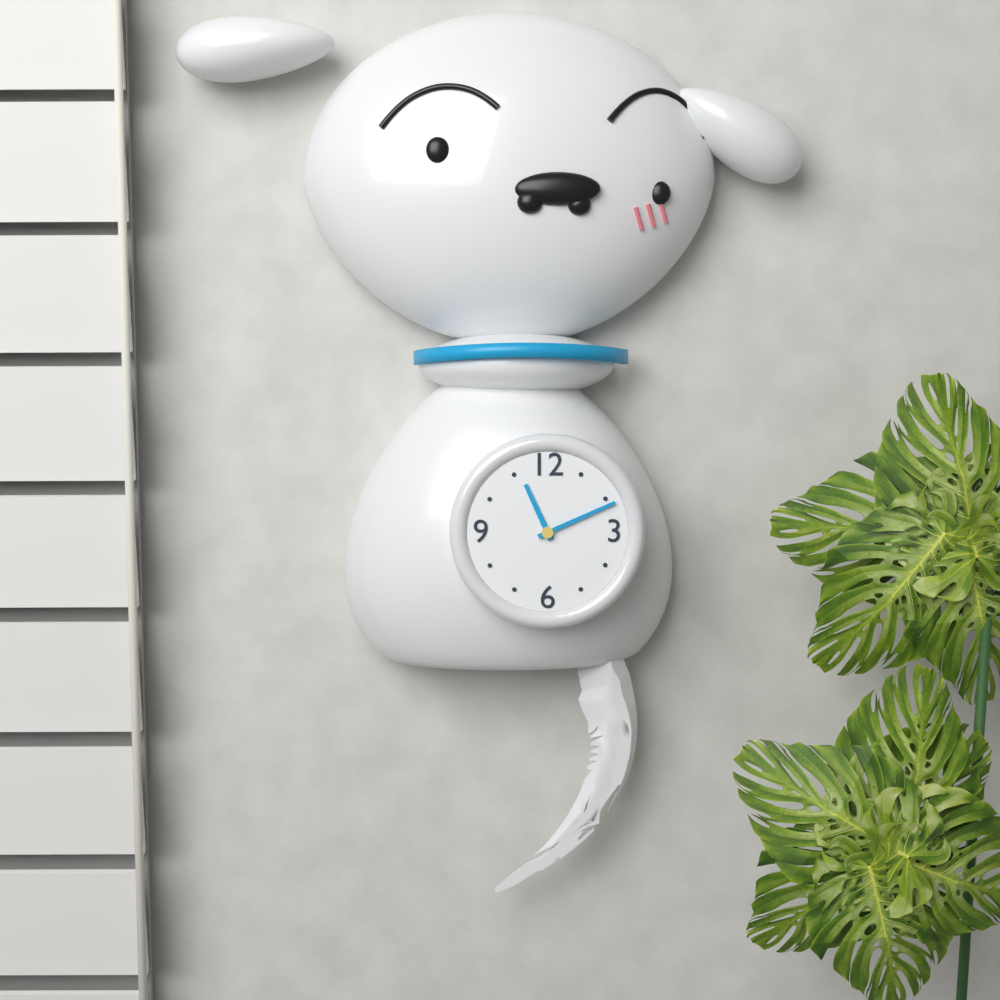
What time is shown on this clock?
11:11
